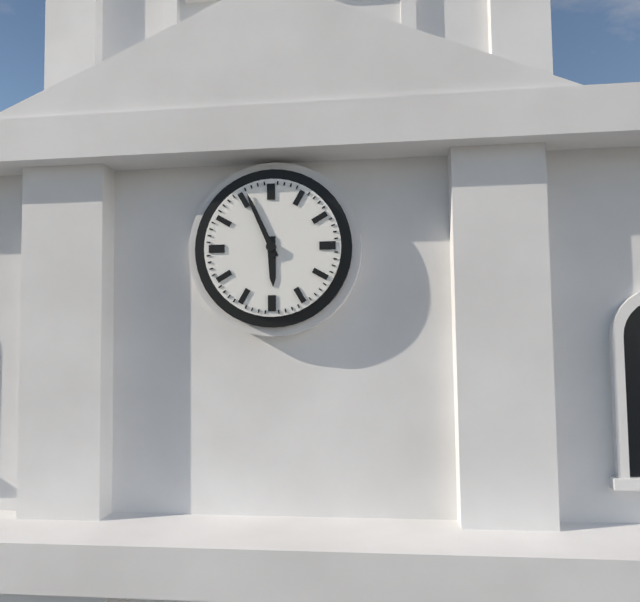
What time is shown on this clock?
5:56
